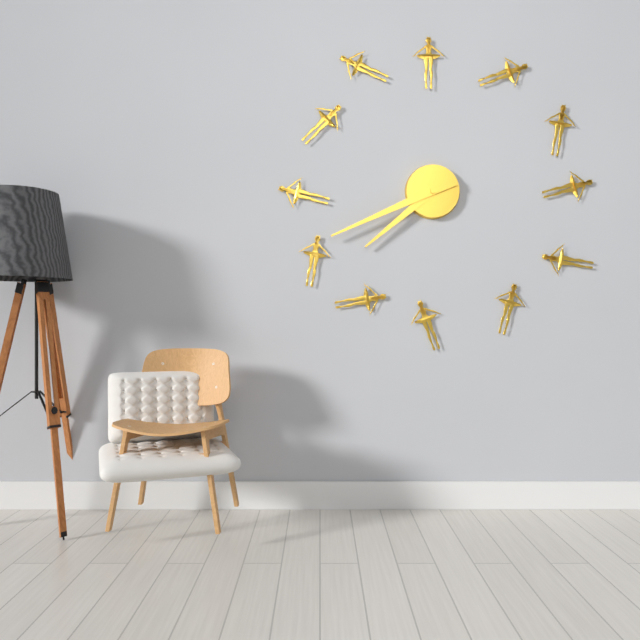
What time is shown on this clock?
7:41
